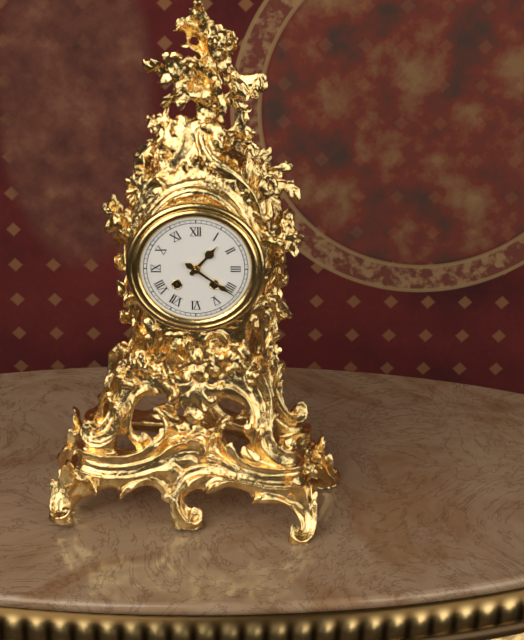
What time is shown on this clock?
1:21
